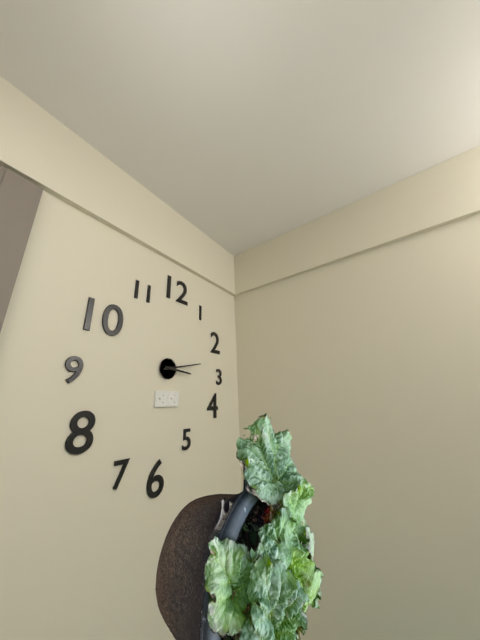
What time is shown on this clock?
3:13
